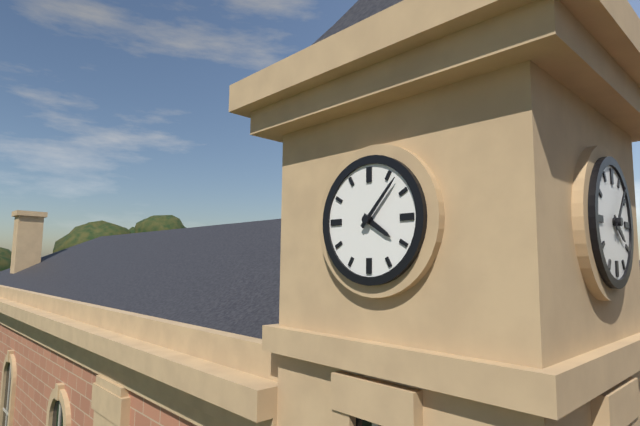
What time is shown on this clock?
4:07
